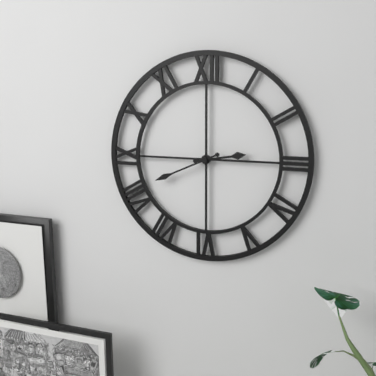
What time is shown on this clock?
2:41
